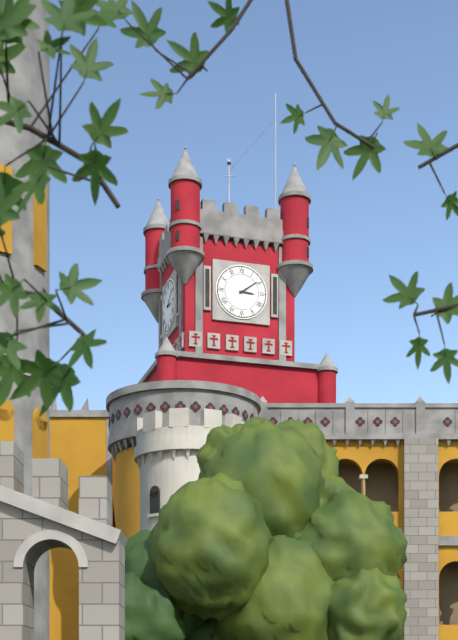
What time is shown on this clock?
3:09
